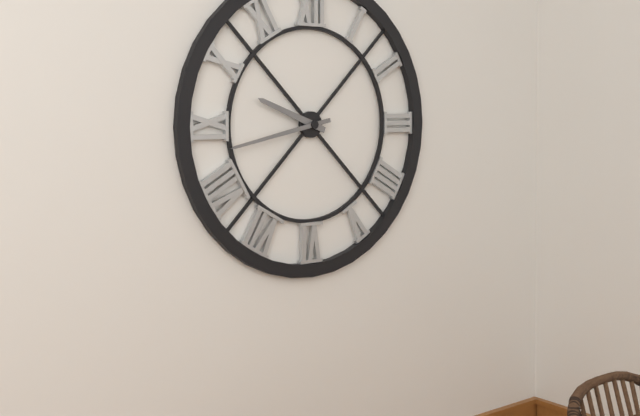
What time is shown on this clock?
9:43
